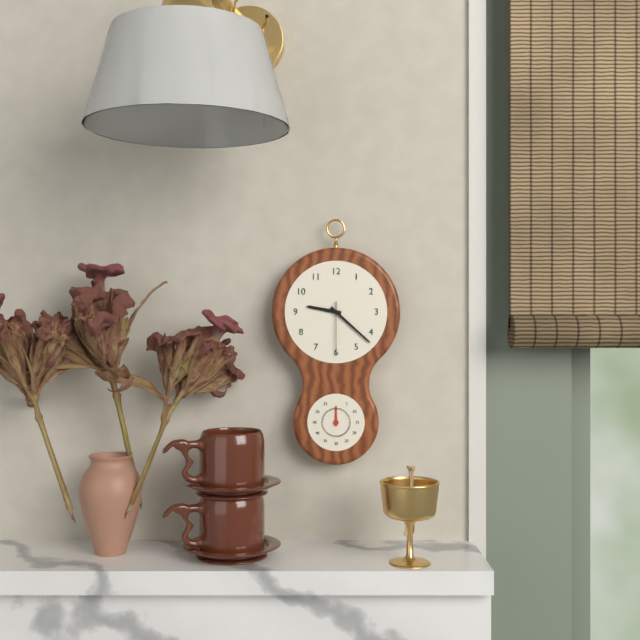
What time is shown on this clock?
9:22:30
